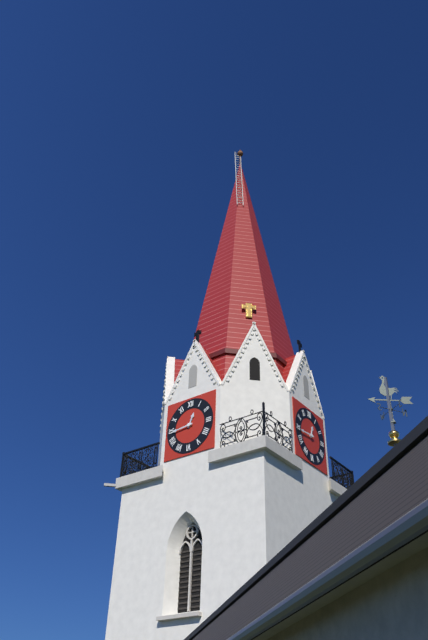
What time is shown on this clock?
12:44
